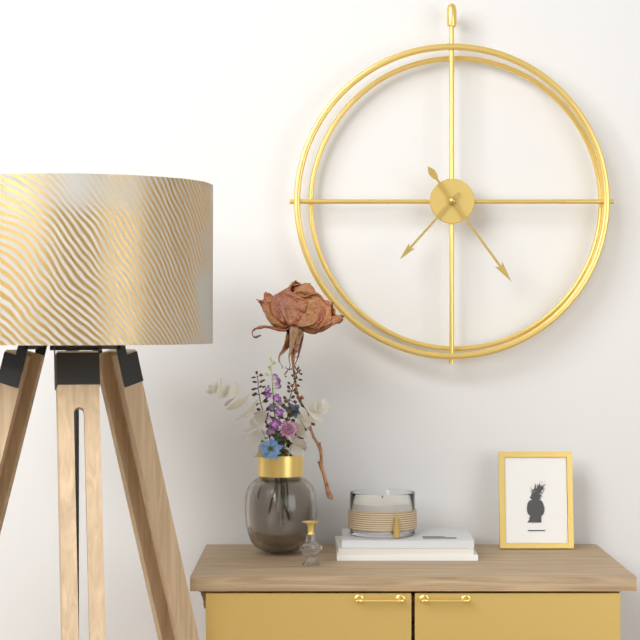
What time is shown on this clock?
7:24
